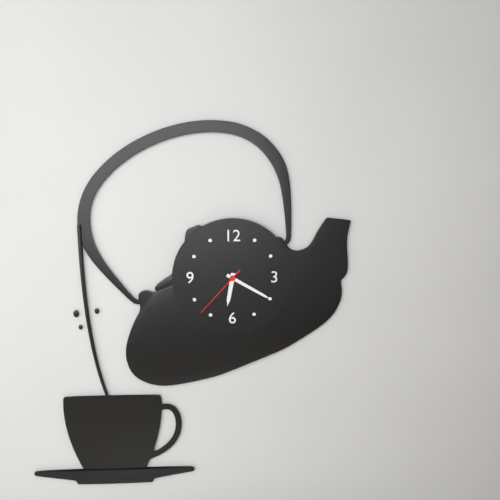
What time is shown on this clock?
6:20:37
